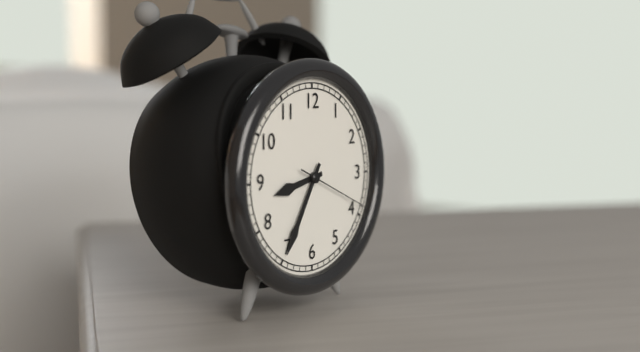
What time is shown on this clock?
8:35:19
